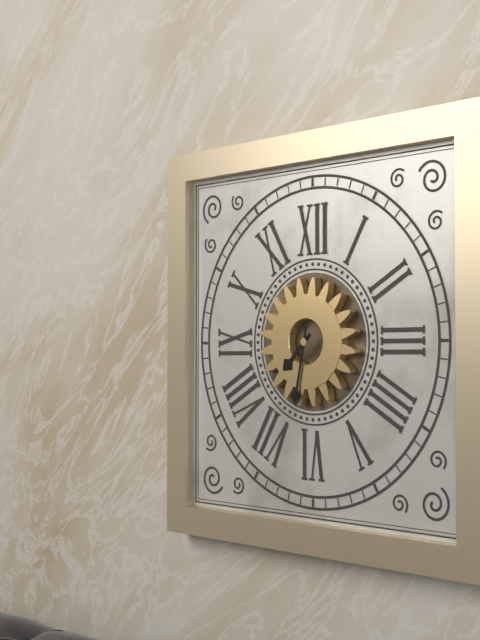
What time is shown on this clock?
7:32
